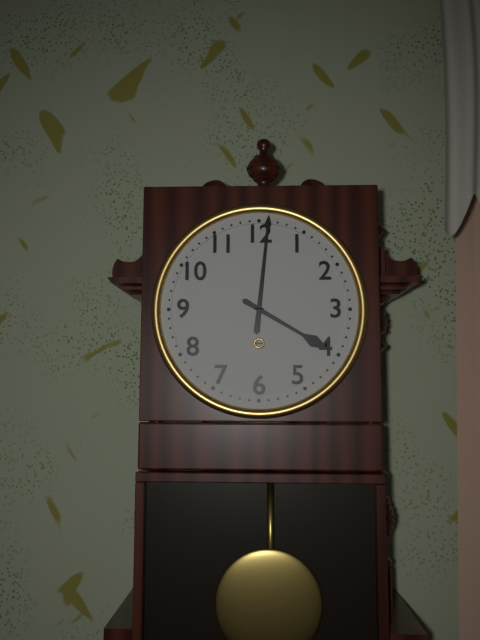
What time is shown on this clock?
4:01
